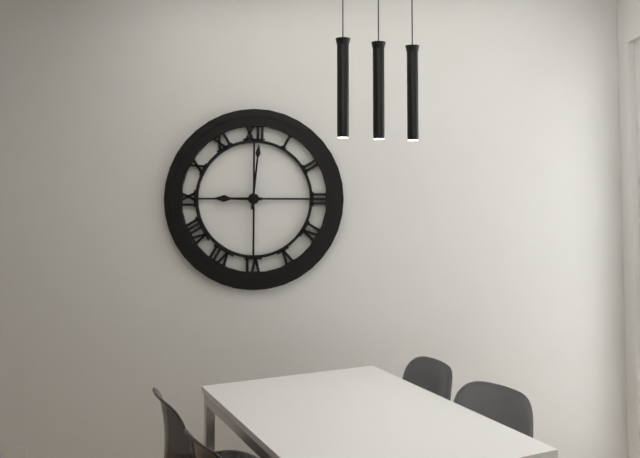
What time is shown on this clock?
9:01
